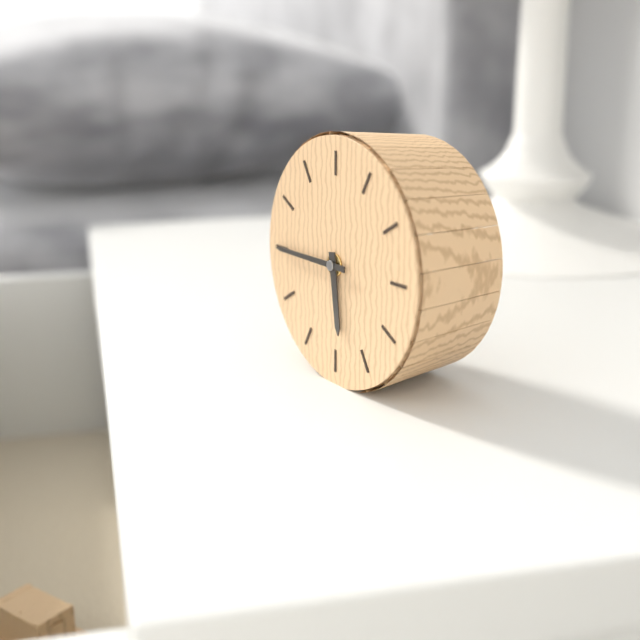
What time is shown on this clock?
5:45
